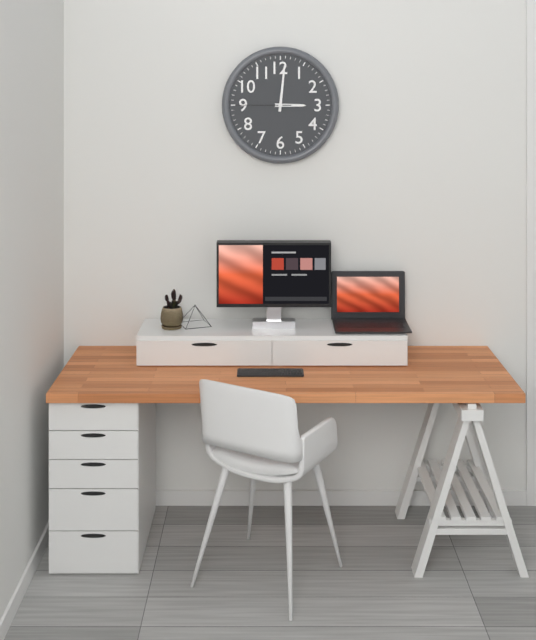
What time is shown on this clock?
3:01:45
